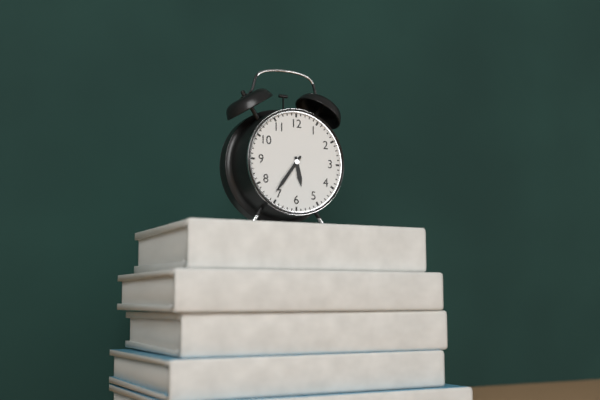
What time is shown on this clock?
5:36
